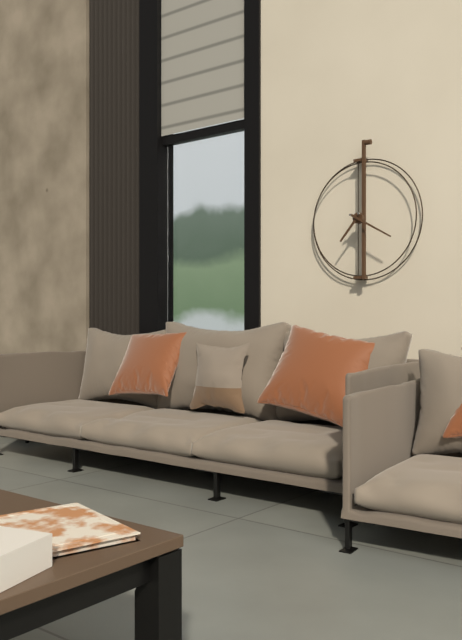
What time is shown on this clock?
7:20
